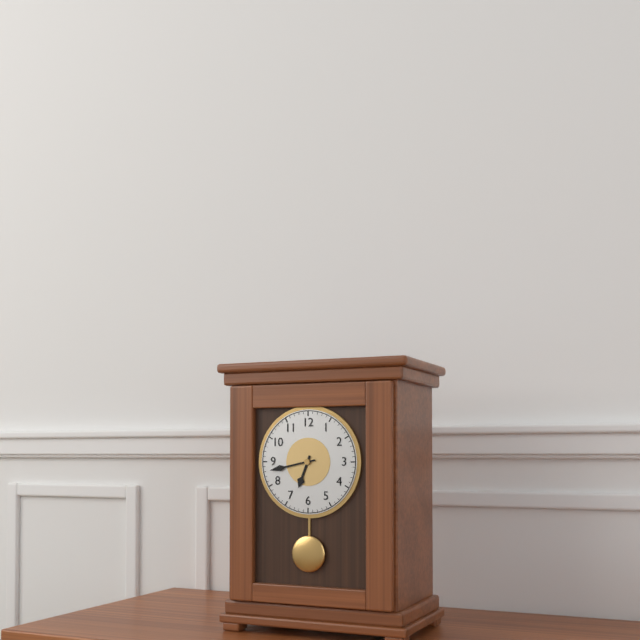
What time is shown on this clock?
6:43
